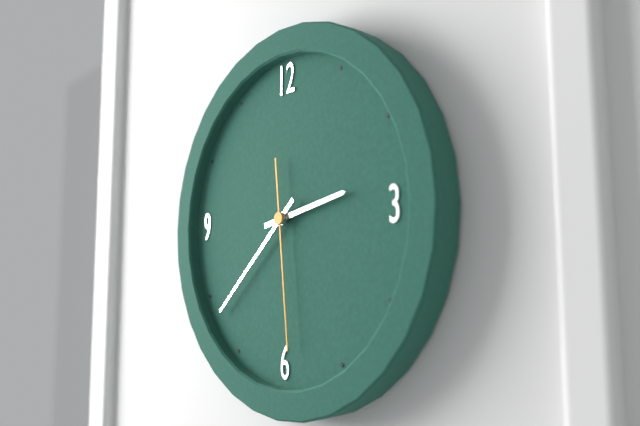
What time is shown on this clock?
2:38:29
